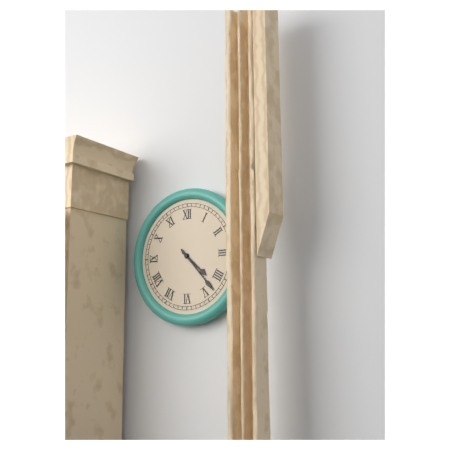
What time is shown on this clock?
4:23
